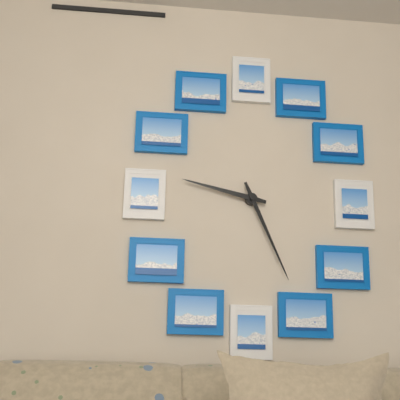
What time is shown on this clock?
9:26
